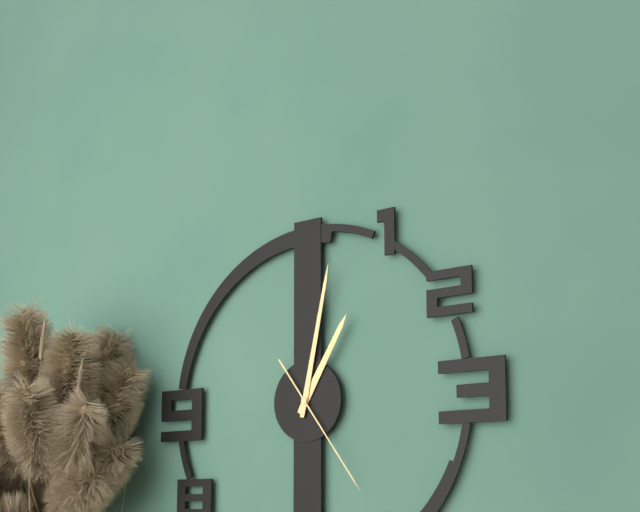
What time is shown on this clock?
1:02:24
